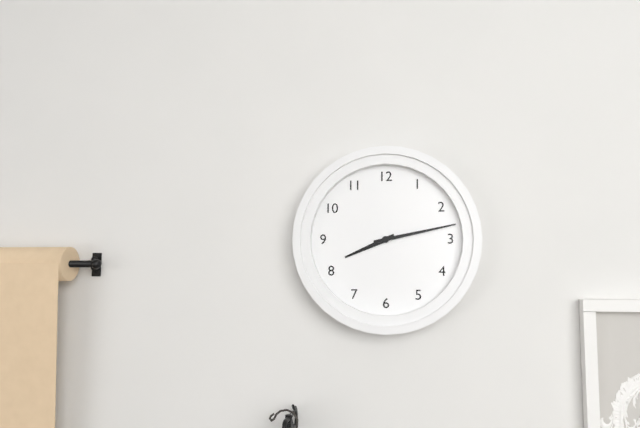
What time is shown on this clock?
8:13
